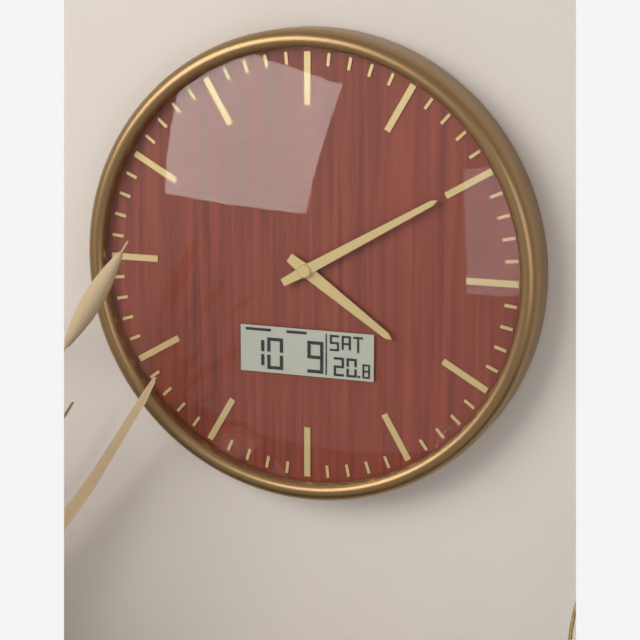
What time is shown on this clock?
4:10
